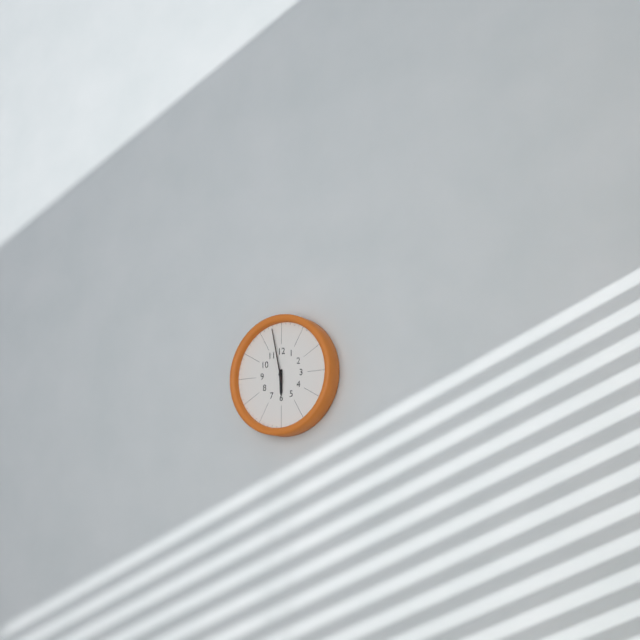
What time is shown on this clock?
5:58
